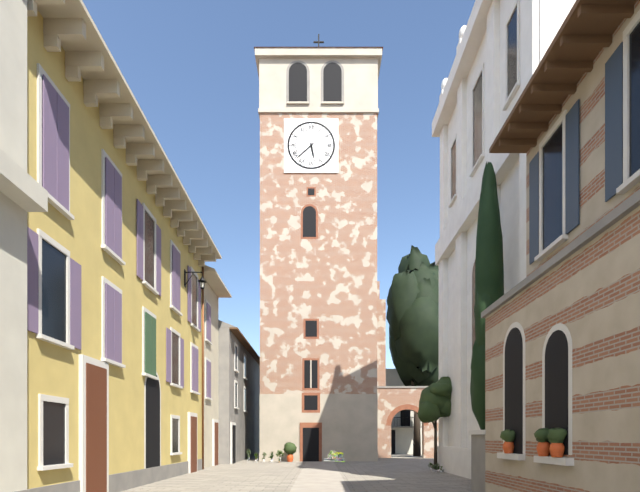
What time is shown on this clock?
5:38
